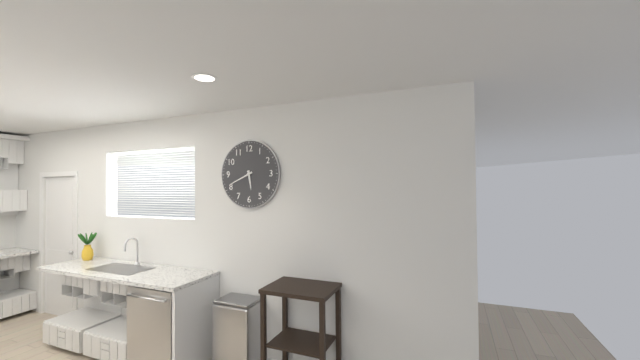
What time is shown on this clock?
5:41
